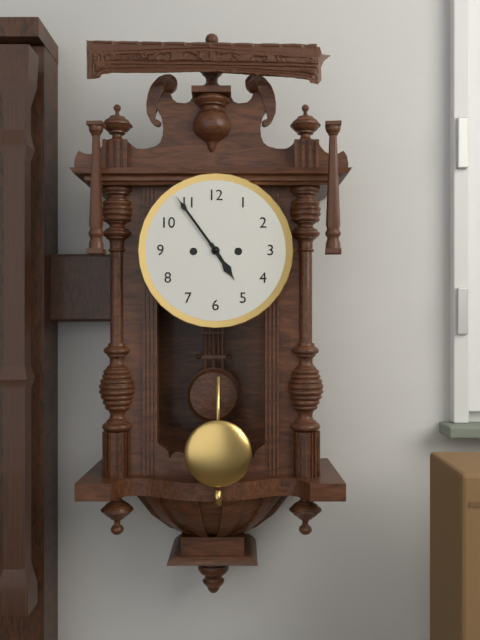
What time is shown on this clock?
4:54
